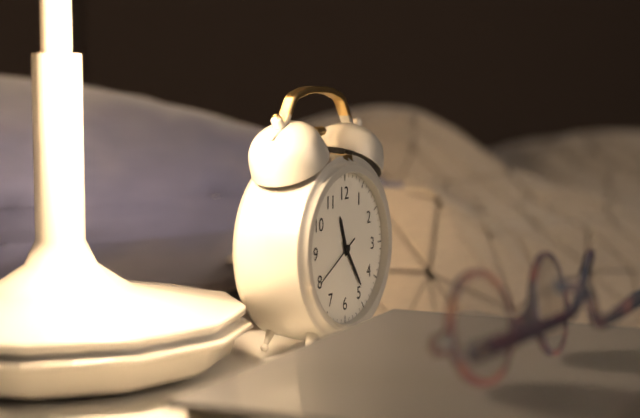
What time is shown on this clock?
11:24:40
